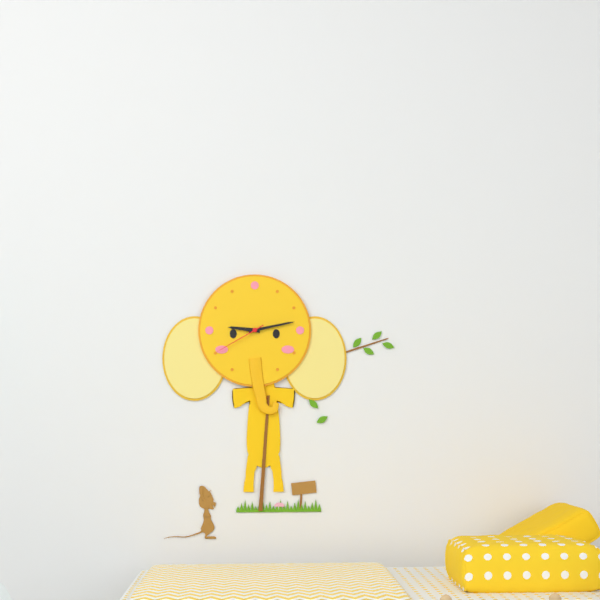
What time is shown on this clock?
9:13:40
